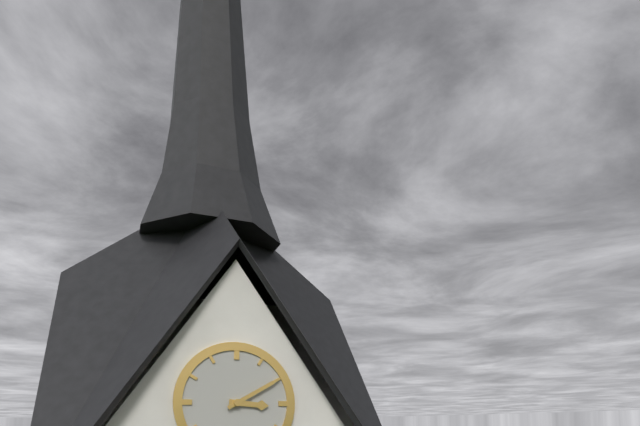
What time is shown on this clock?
3:10
